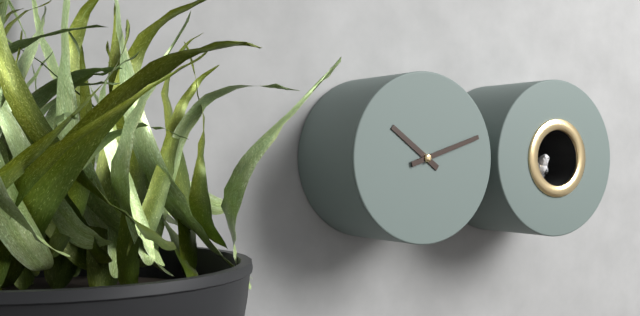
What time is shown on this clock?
10:12
